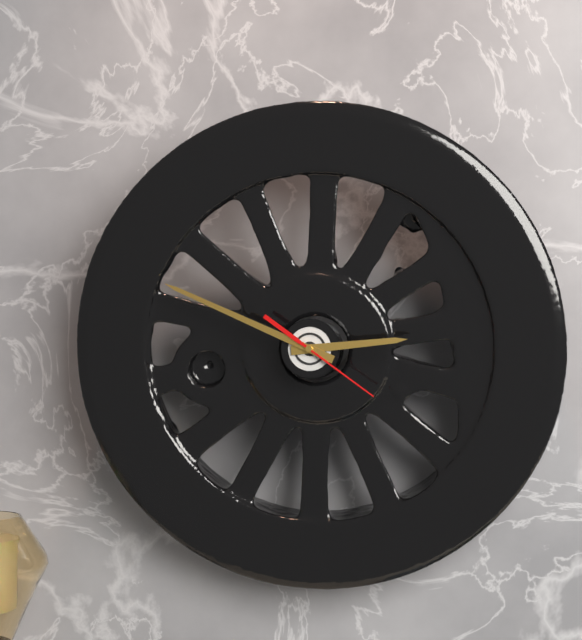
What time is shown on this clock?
2:49:21
